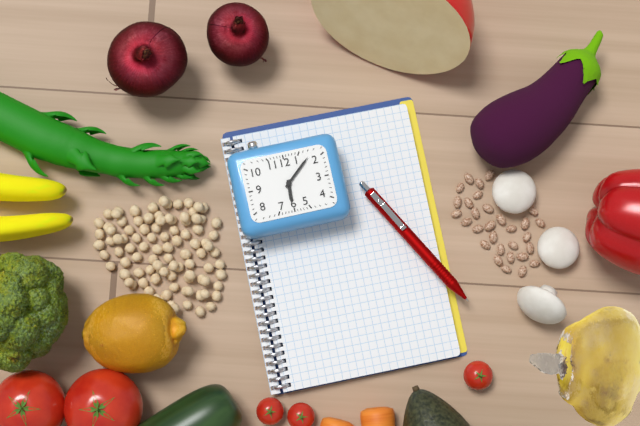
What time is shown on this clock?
6:08
